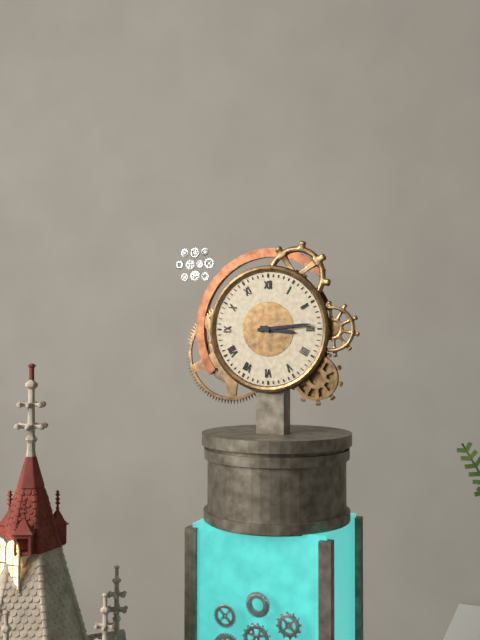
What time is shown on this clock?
3:14
